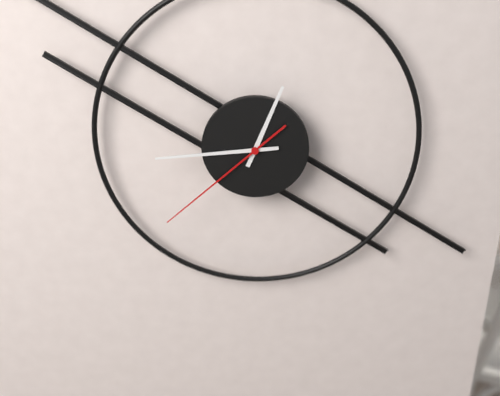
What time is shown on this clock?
12:44:38
